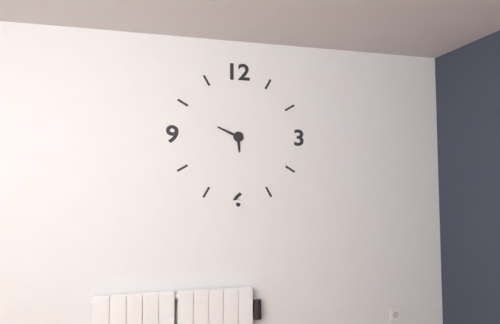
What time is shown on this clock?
5:49
